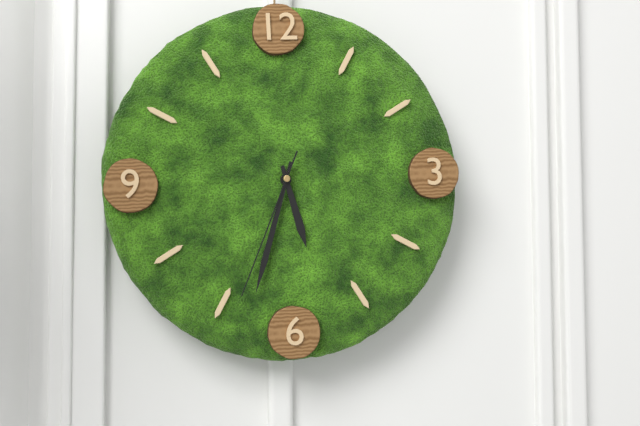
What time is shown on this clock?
5:33:34
